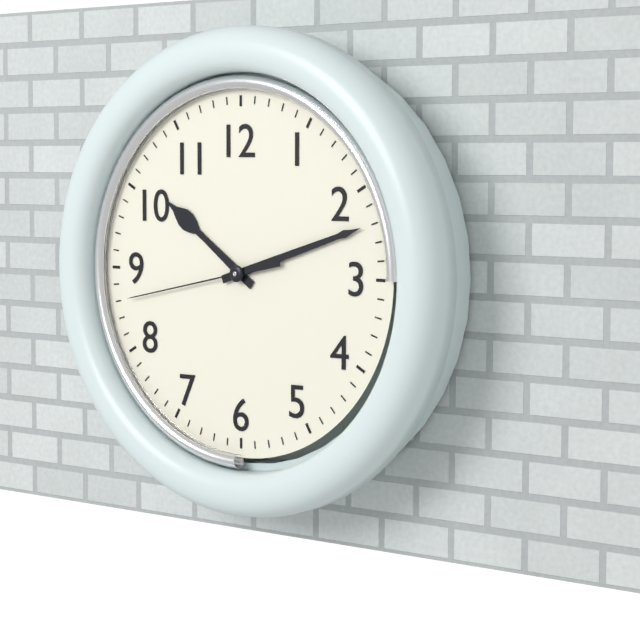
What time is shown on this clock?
10:12:43
